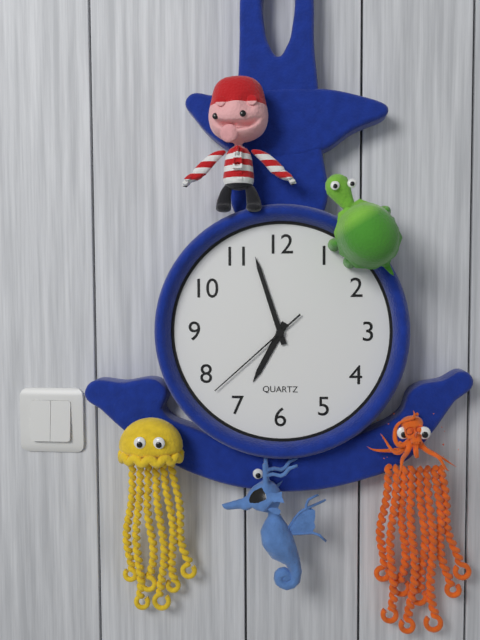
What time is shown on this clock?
6:57:38
